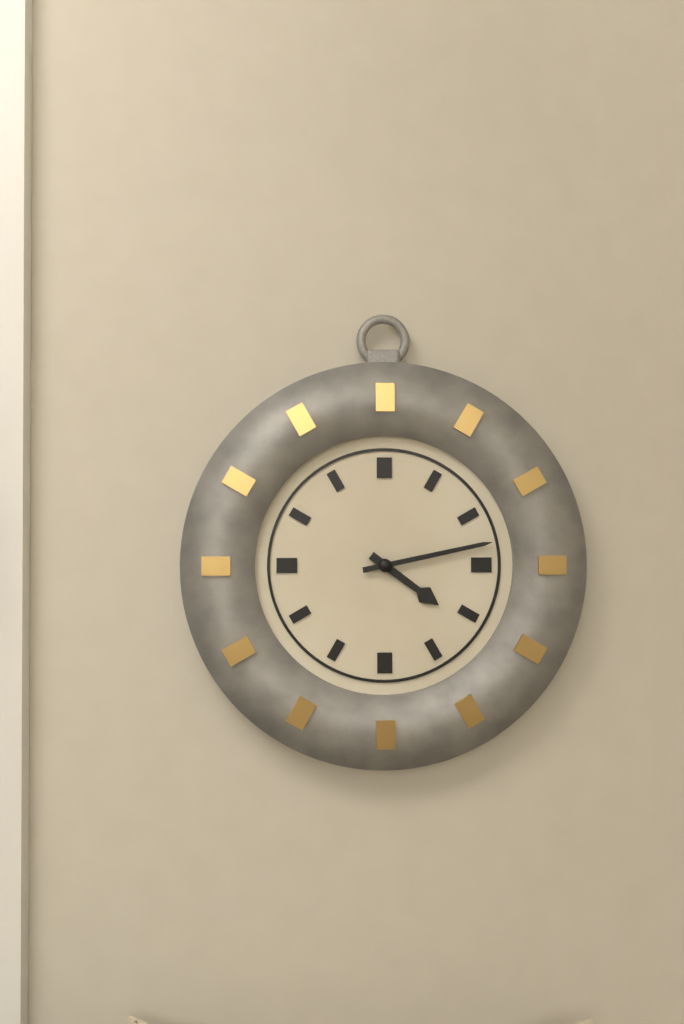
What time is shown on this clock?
4:13
